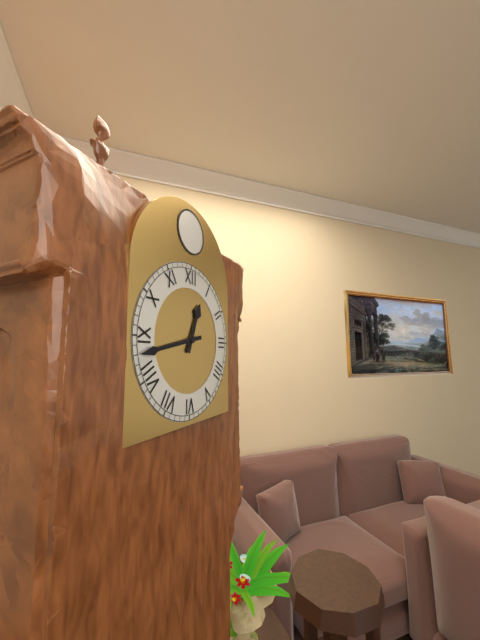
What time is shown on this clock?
12:43
